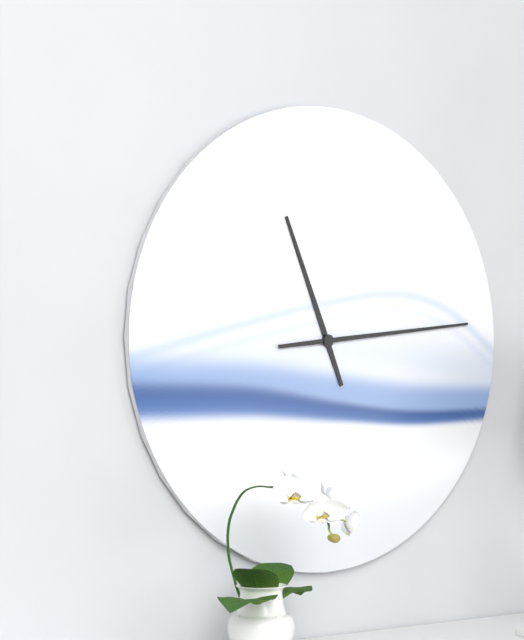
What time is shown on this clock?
11:14
